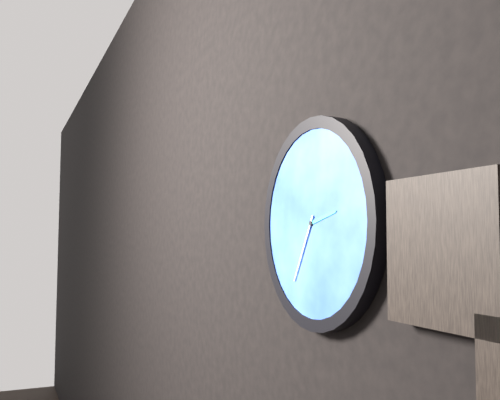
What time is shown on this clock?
2:35
